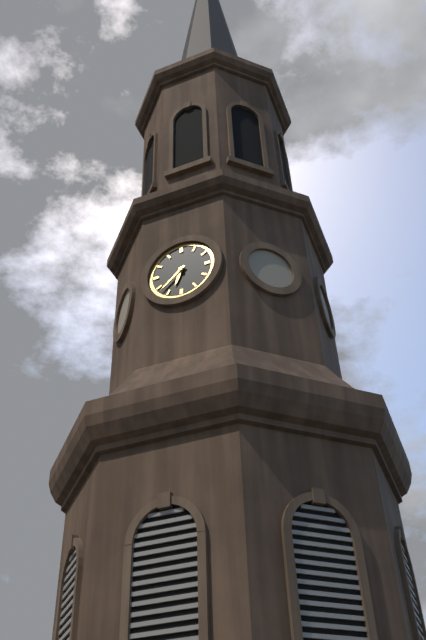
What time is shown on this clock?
6:38
